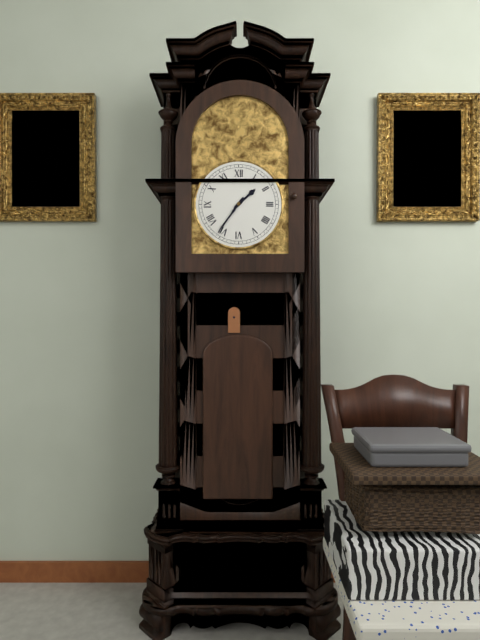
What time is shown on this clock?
1:36
